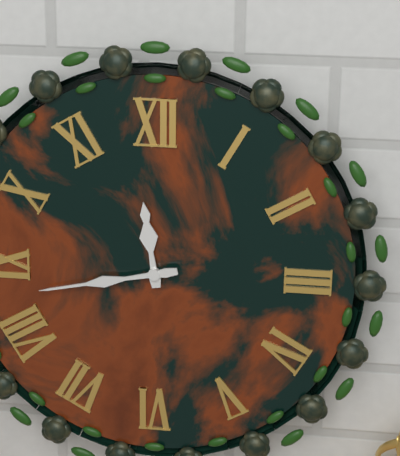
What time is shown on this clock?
11:43
